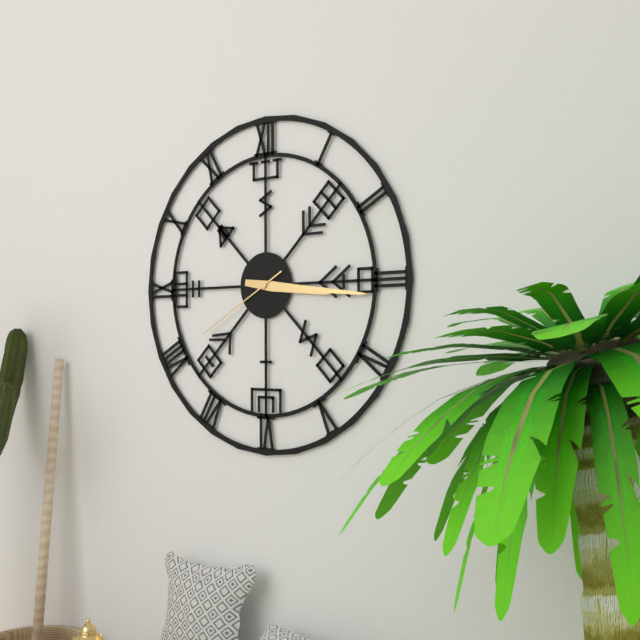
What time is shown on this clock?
3:16:40
